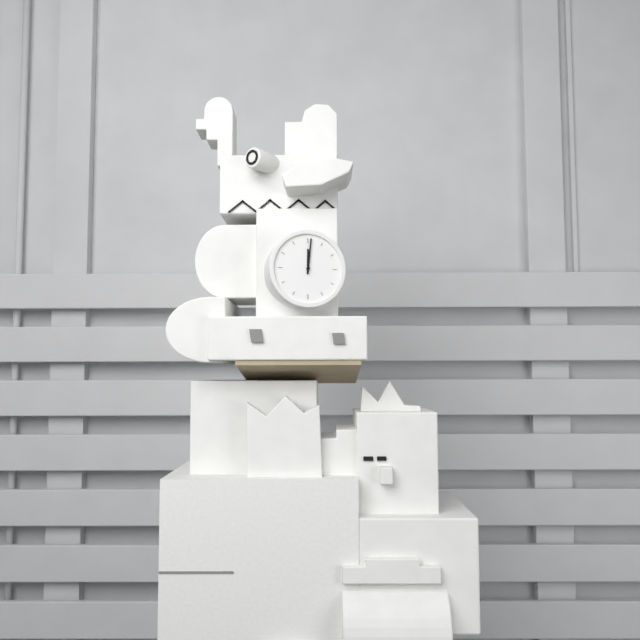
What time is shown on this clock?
12:01
